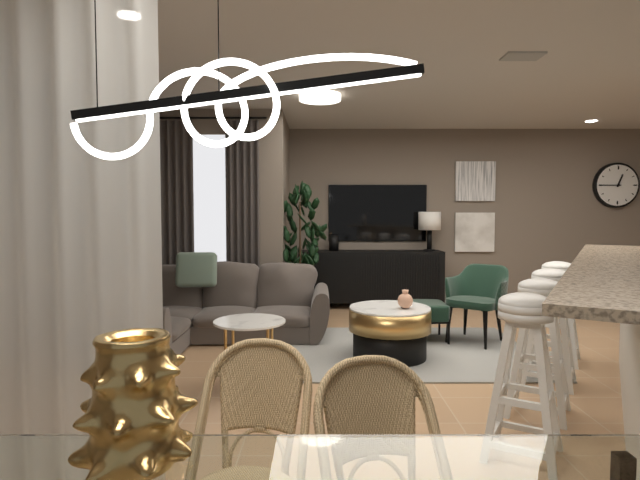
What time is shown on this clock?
12:45
